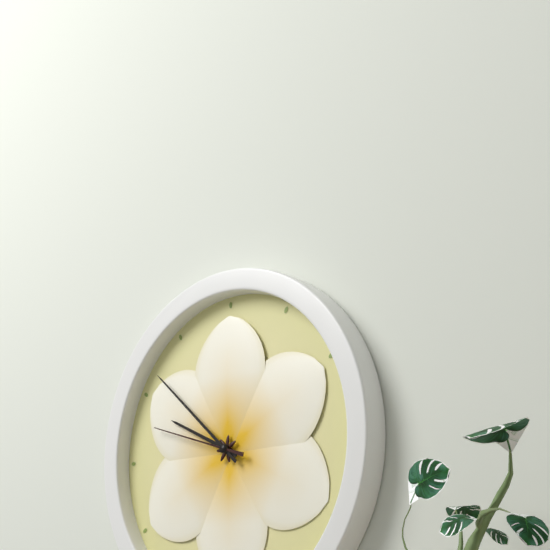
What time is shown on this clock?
9:52:48
